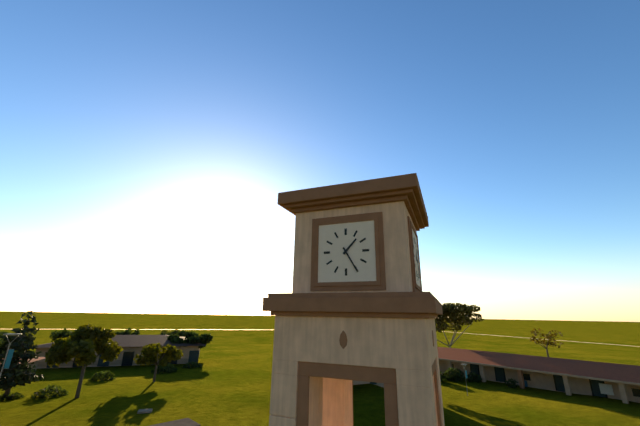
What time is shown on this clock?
1:25
